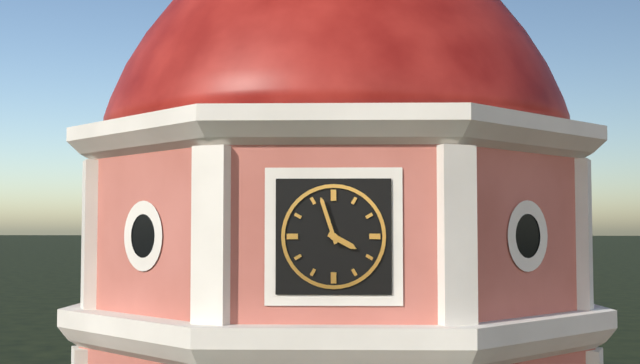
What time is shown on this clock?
3:57
